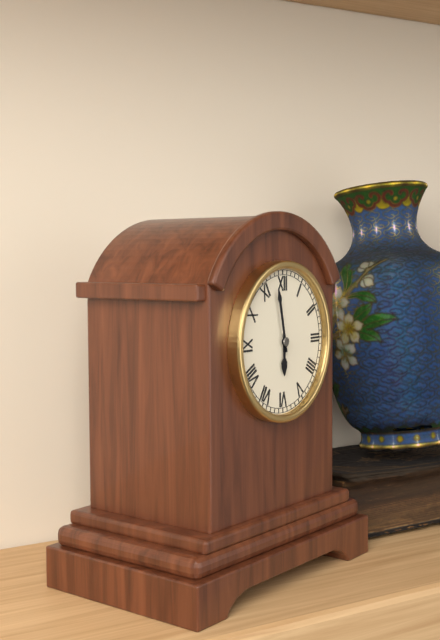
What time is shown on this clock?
5:58
